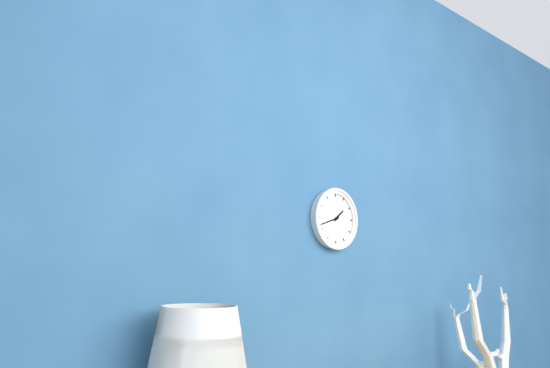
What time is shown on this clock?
1:42
